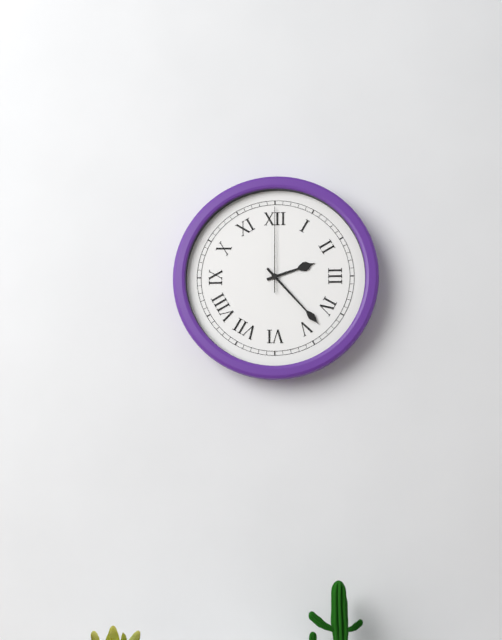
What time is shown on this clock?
2:23:00
